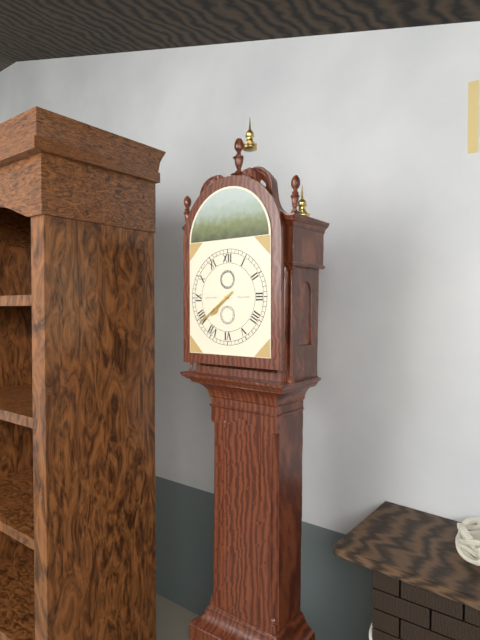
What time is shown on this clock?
7:39
